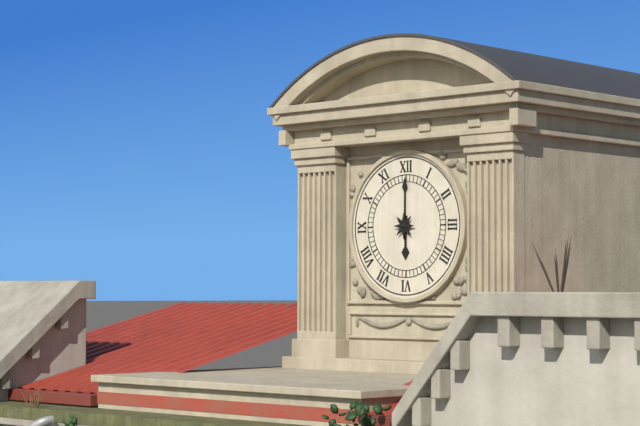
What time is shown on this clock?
6:00
